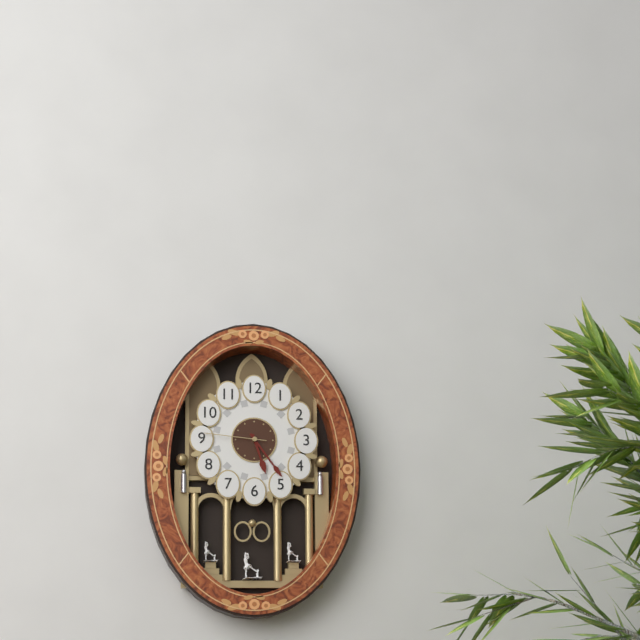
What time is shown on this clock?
5:24:46
